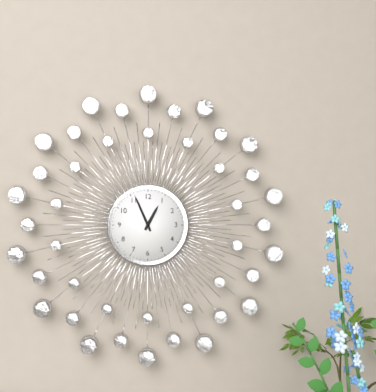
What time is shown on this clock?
12:56
